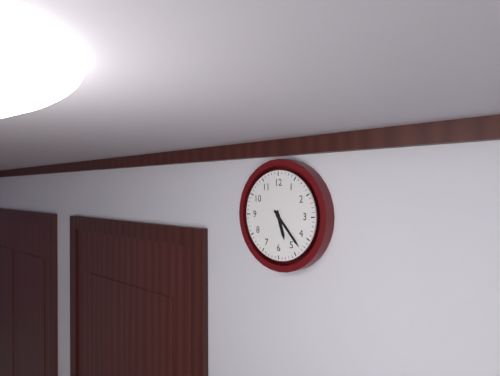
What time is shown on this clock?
5:23
